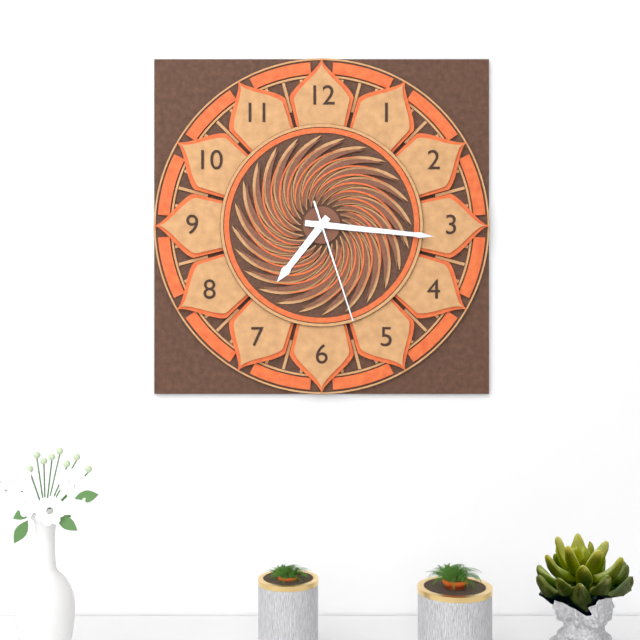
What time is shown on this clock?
7:16:27
